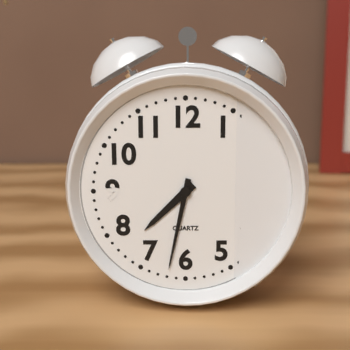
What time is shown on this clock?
7:32
